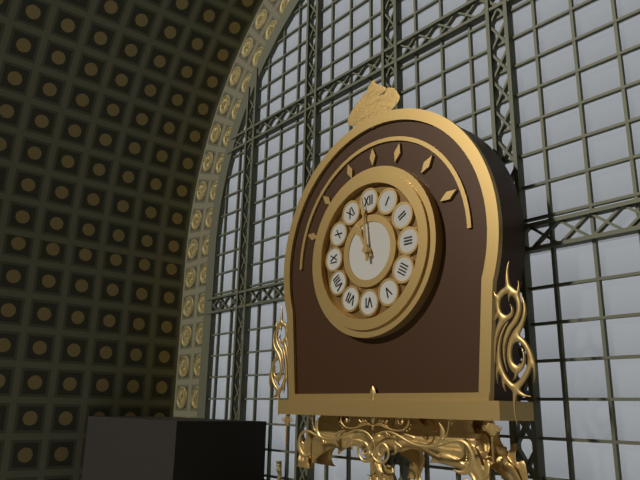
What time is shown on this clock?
10:59
